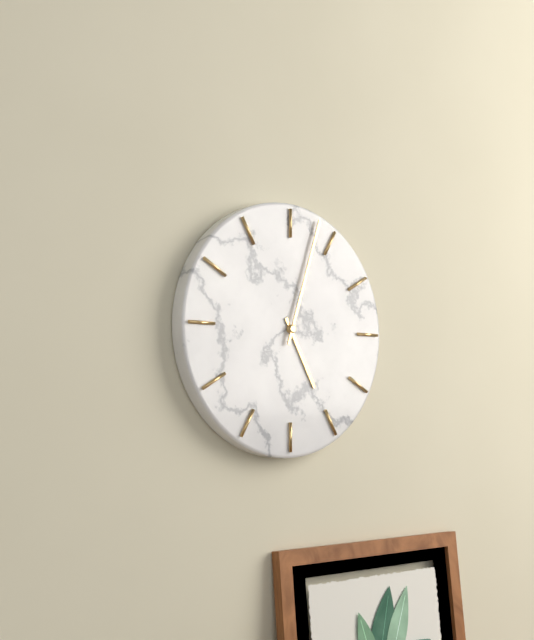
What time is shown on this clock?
5:03
